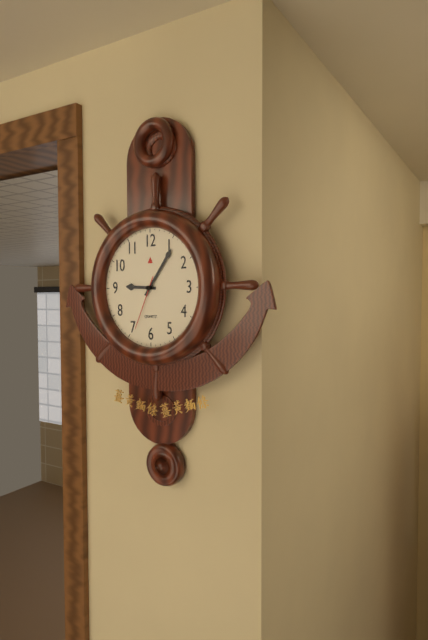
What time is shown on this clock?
9:06:34
